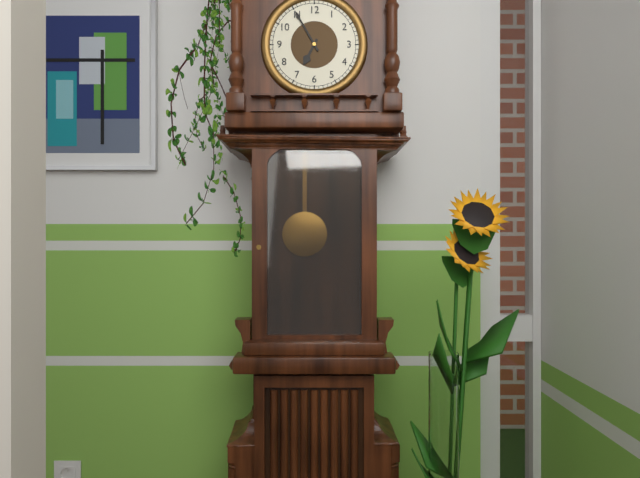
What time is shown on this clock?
6:55
